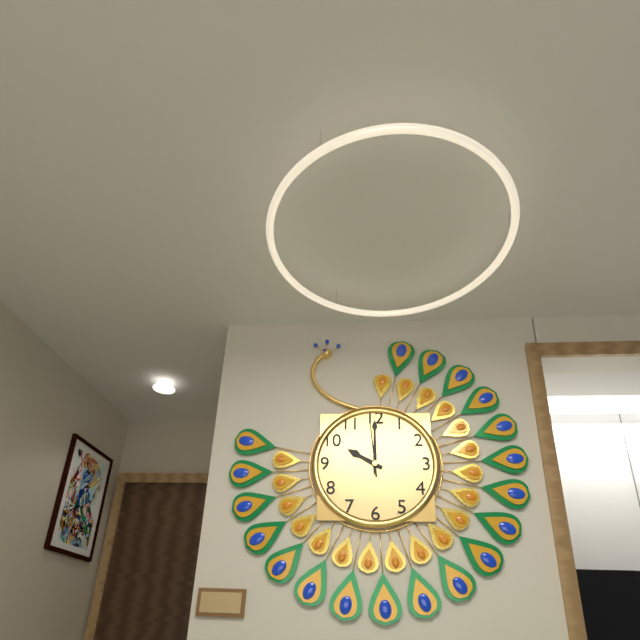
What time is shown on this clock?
10:00:59
